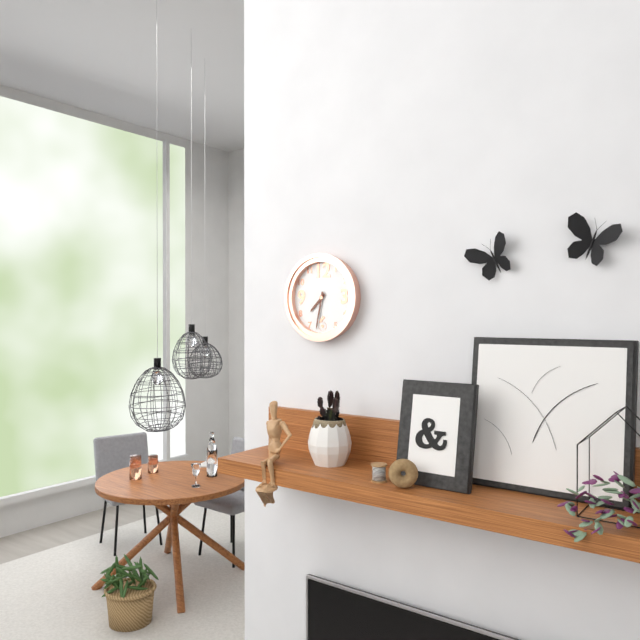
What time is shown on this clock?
7:32
